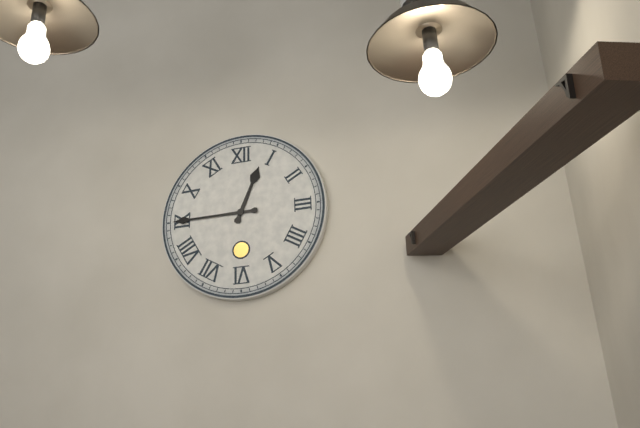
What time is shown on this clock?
12:45
